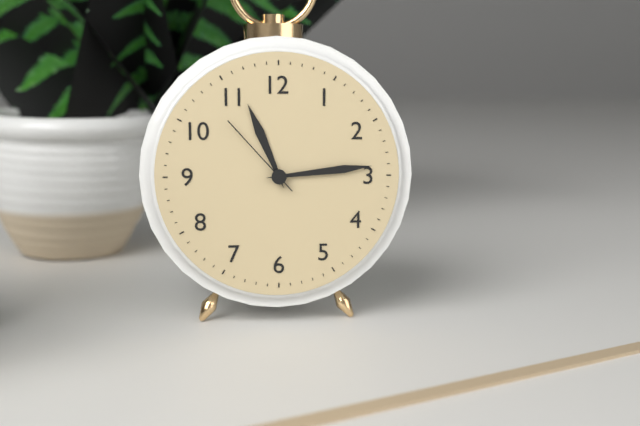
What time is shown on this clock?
11:14:53
